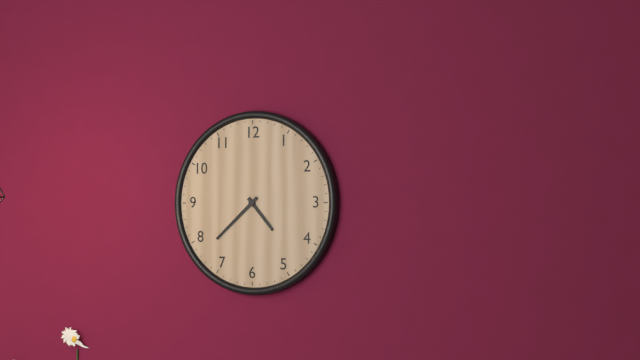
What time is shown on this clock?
4:38
